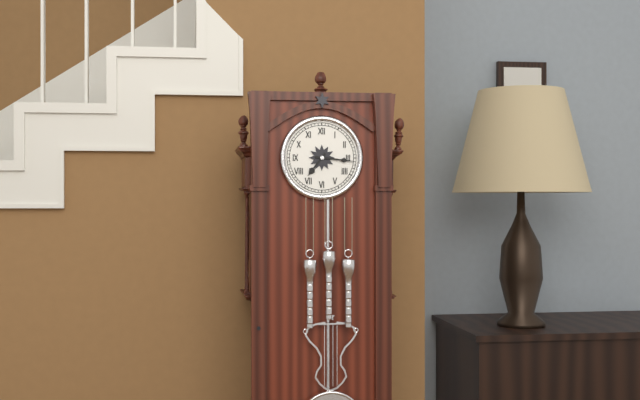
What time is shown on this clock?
7:16
